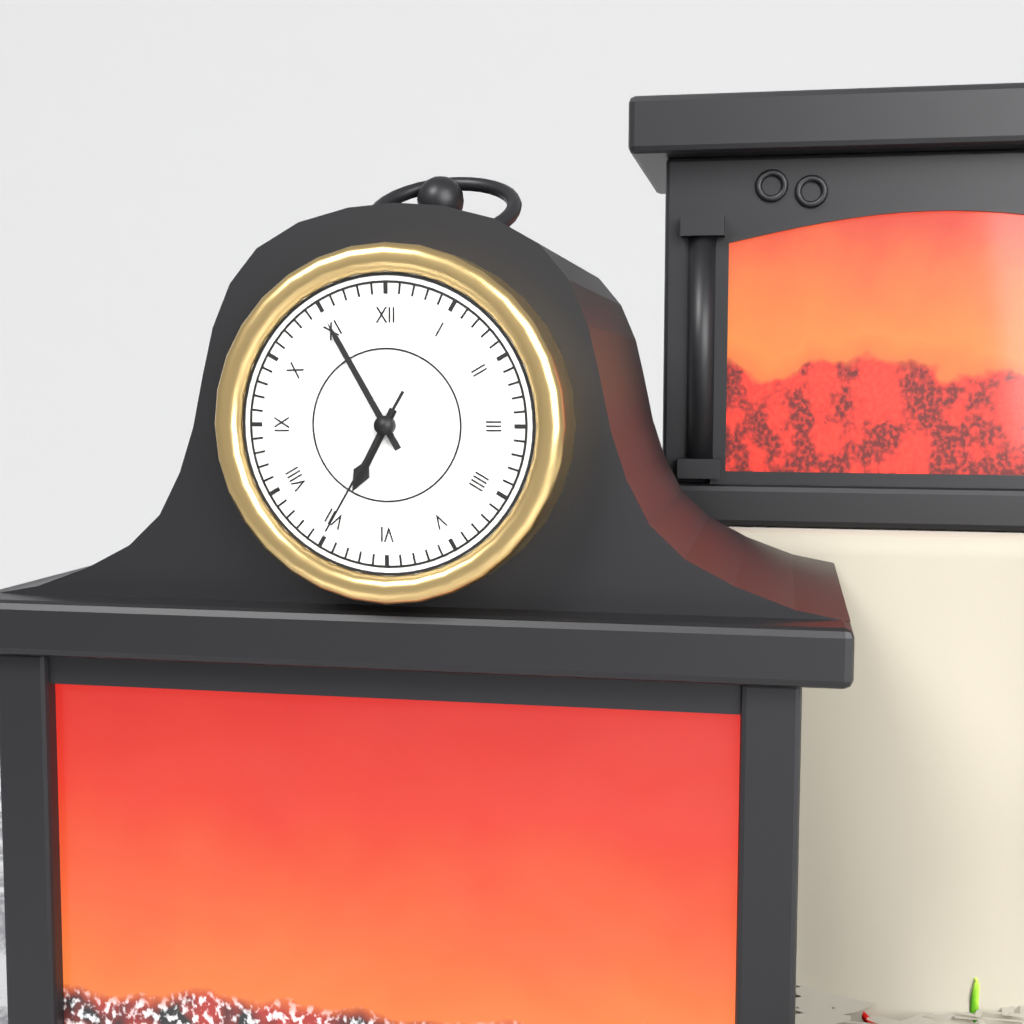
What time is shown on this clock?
6:55:35
